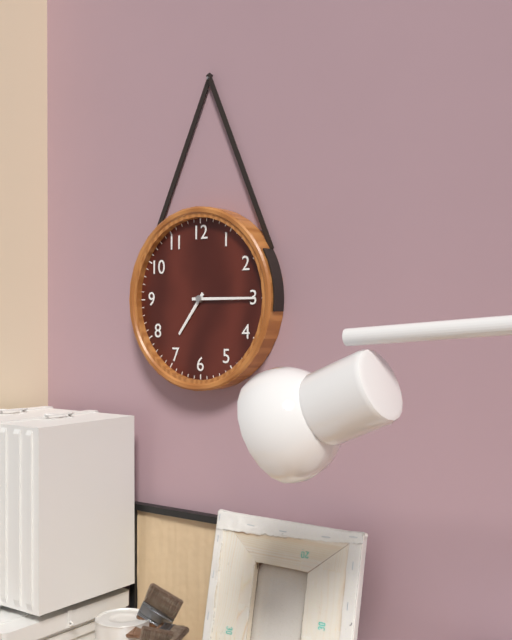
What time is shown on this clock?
7:15
